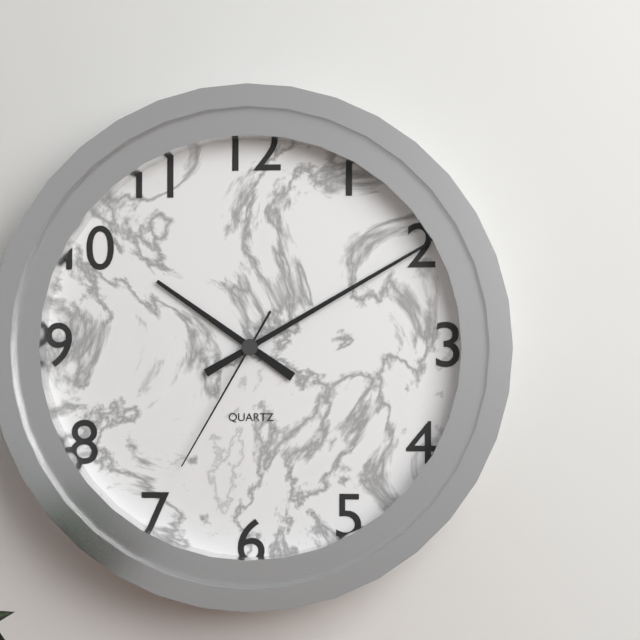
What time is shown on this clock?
10:10:35
